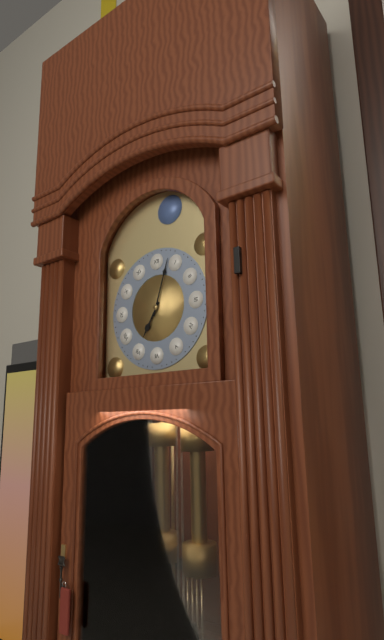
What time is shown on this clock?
7:03
